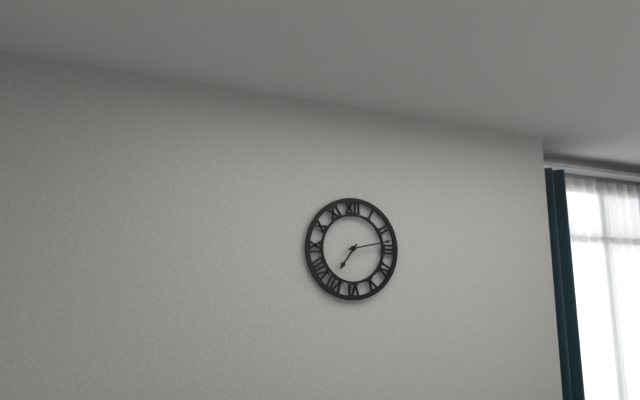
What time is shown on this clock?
7:13
